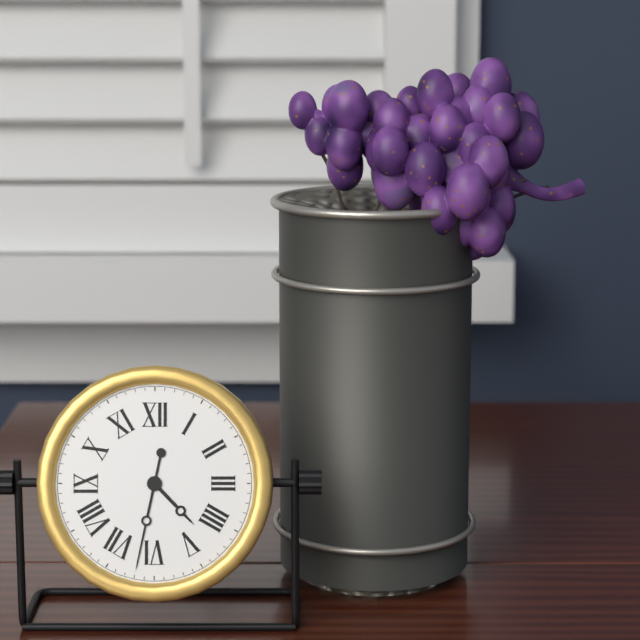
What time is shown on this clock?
4:32
